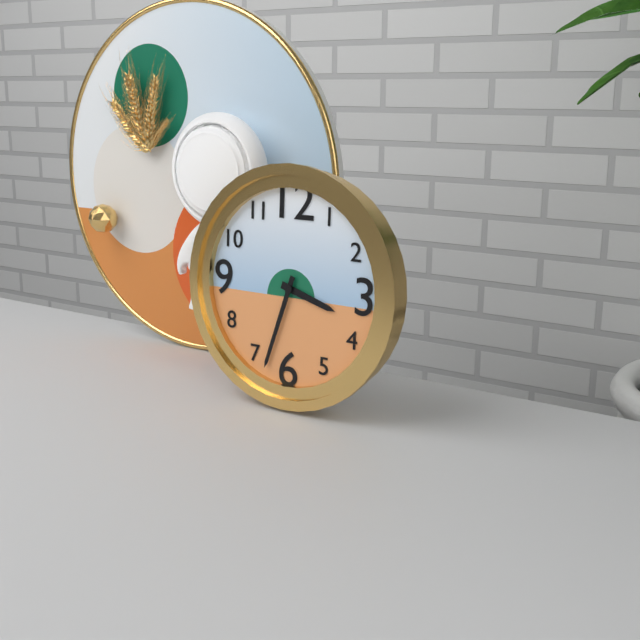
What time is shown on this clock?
3:33
